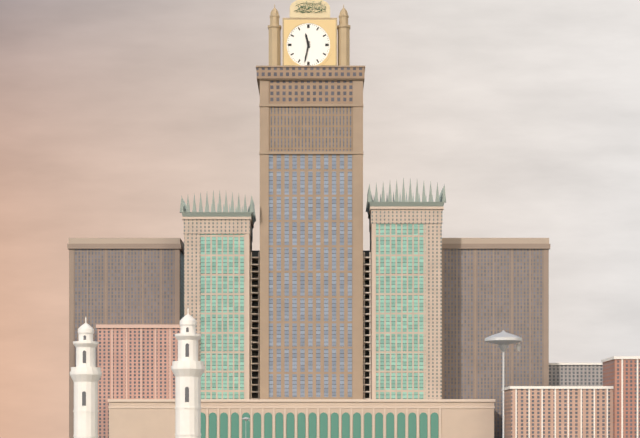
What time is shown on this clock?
11:32
